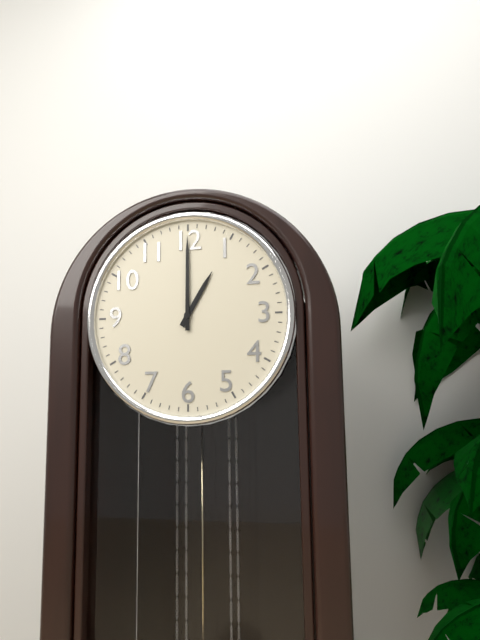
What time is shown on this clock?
1:00
